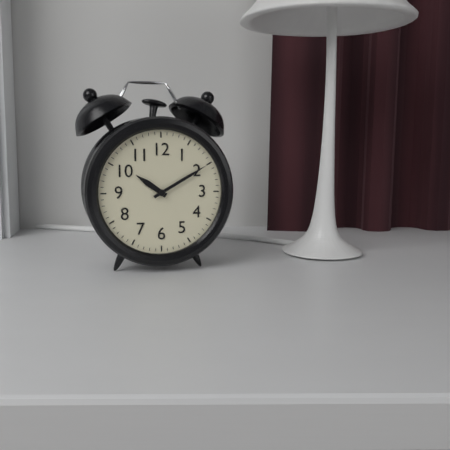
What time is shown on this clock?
10:10
